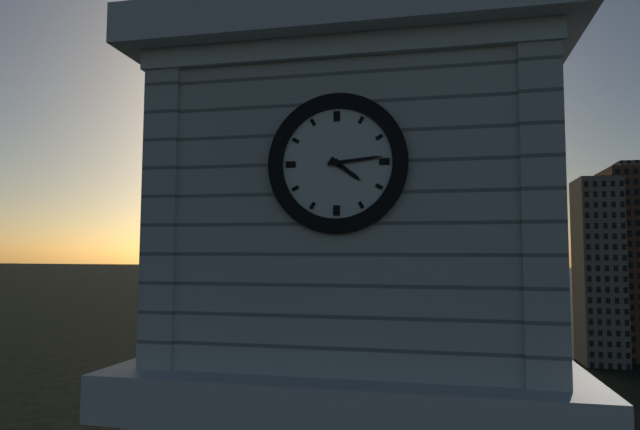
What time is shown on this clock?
4:14
